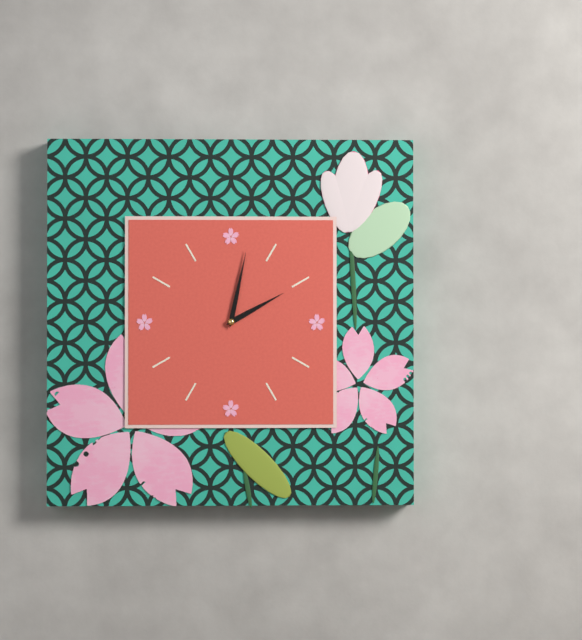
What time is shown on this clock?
2:02
